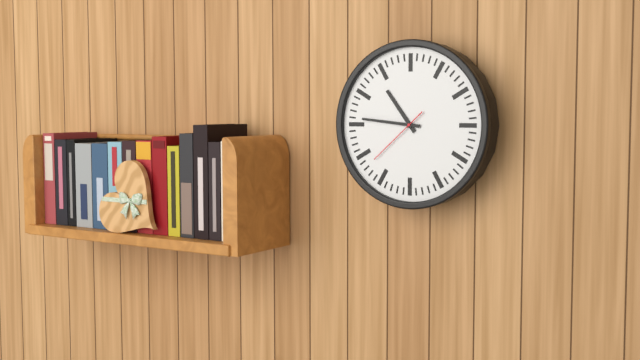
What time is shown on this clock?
10:46:38
